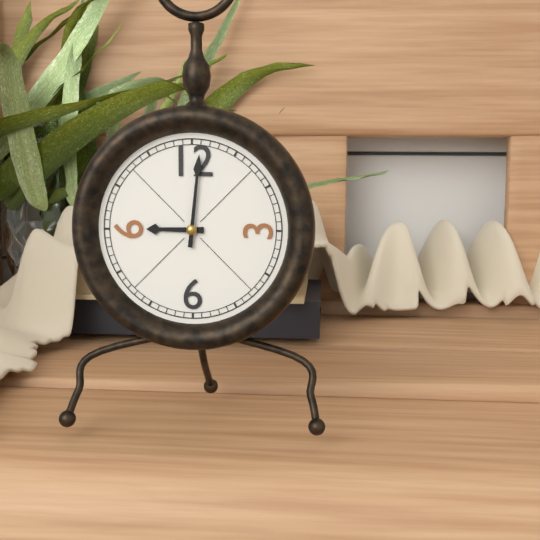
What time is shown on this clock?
9:01
